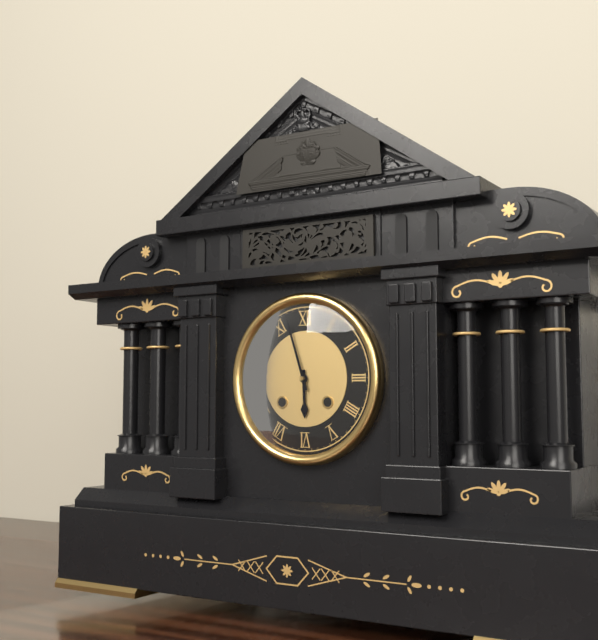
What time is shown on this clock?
5:57
